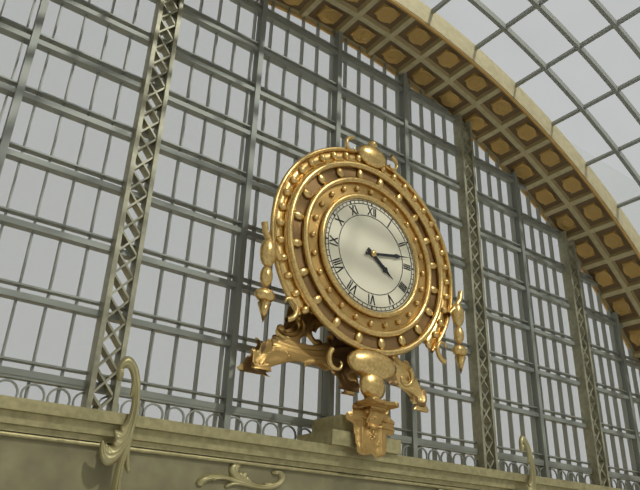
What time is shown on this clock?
4:13
